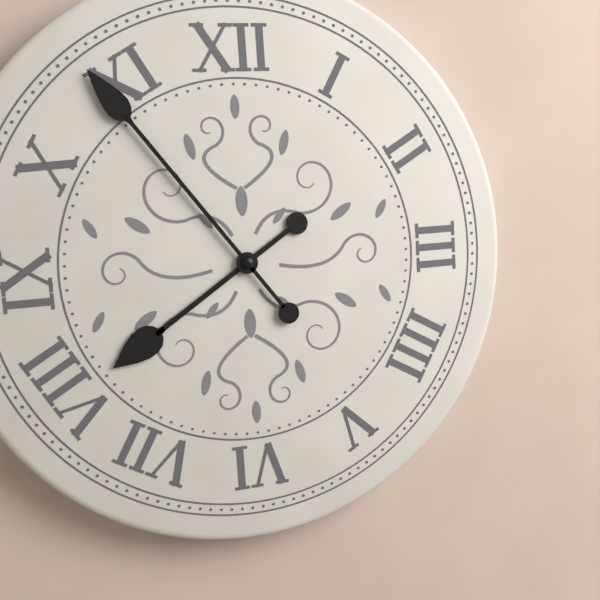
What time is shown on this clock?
7:54
